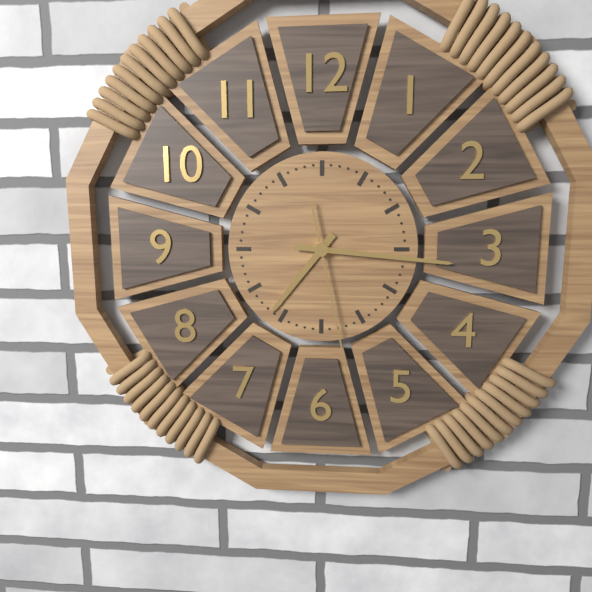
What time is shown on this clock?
7:16:28
